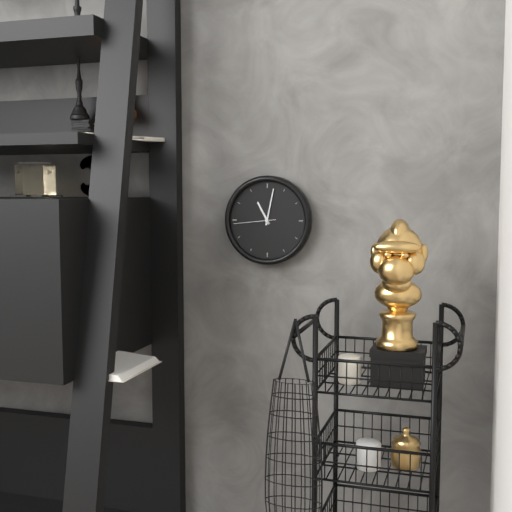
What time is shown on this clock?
11:02
